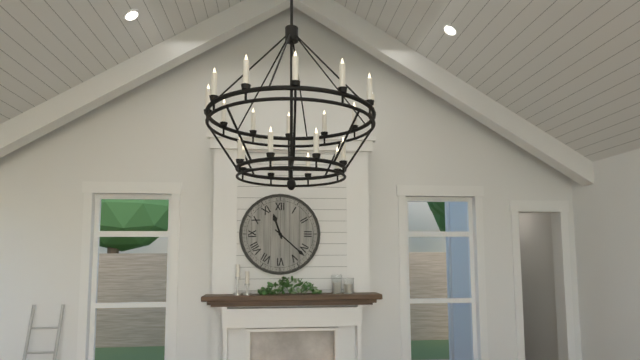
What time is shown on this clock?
11:22
